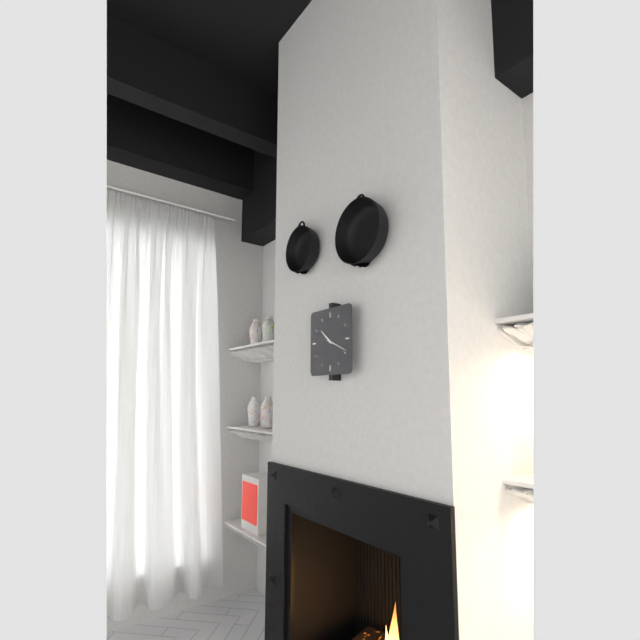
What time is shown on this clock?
10:19
